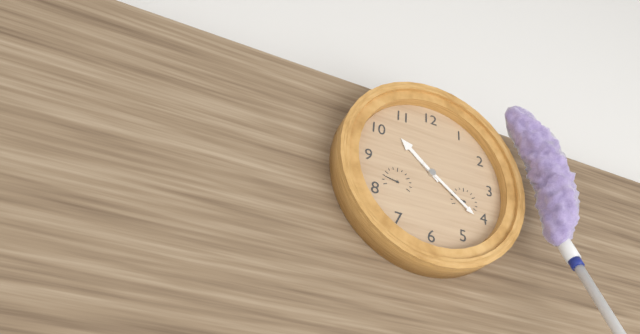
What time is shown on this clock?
10:21
